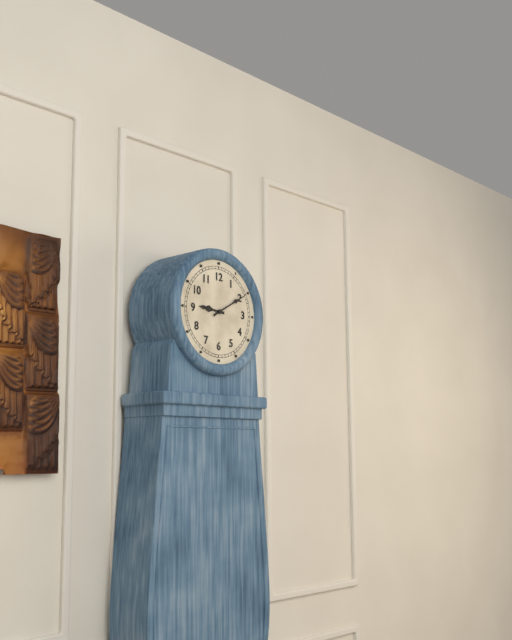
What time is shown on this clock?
9:10
